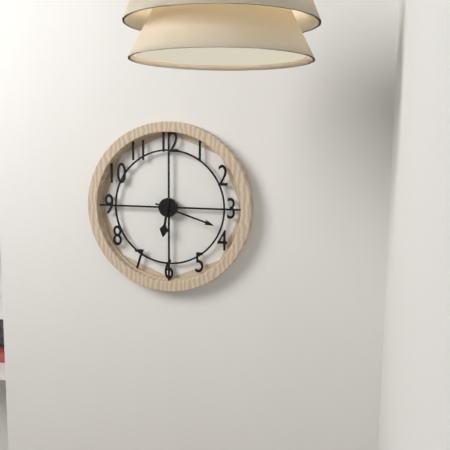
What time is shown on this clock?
6:18
